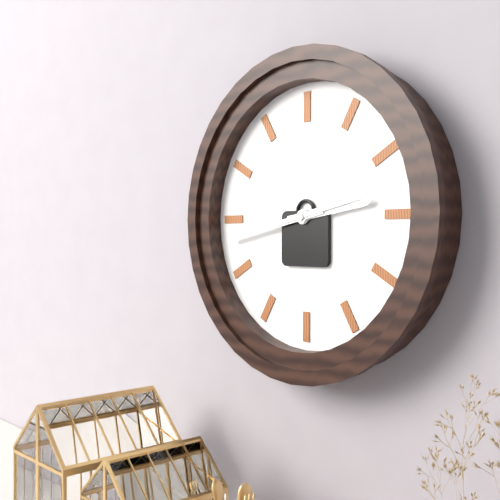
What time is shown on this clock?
2:43:13
